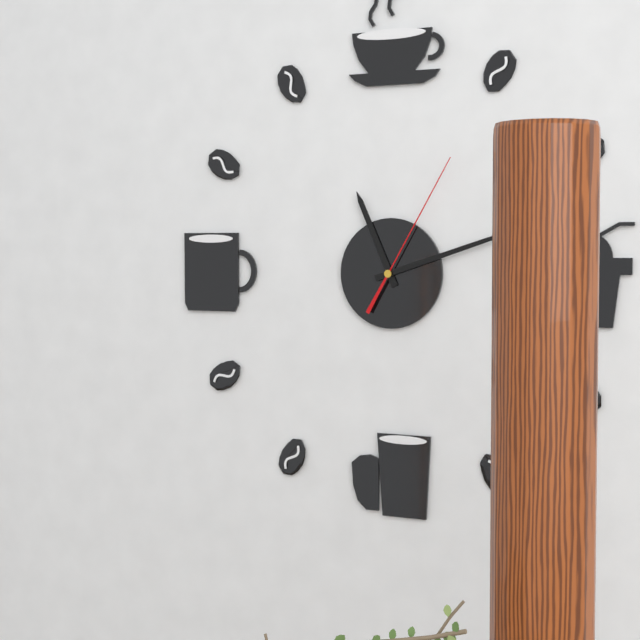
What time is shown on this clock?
11:12:05
